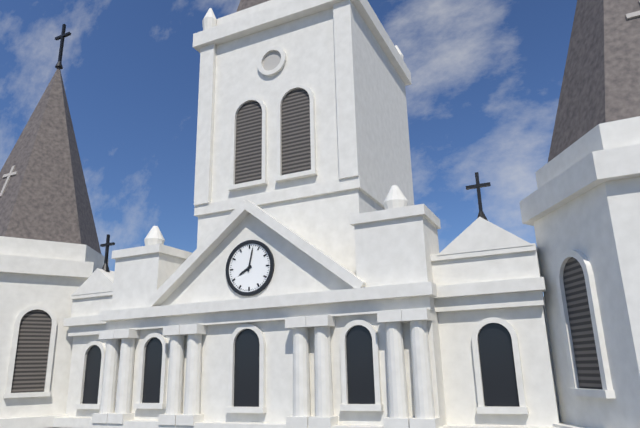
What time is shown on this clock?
8:02
